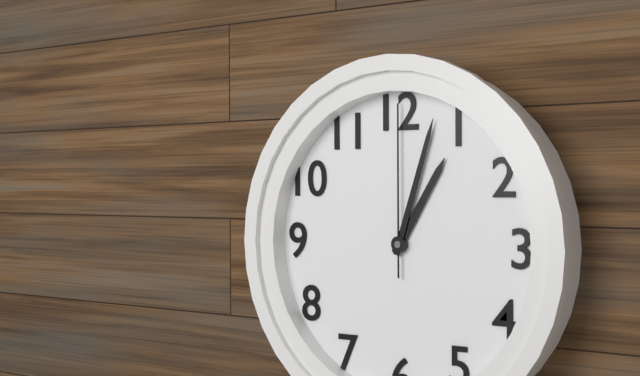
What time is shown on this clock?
1:03:00
